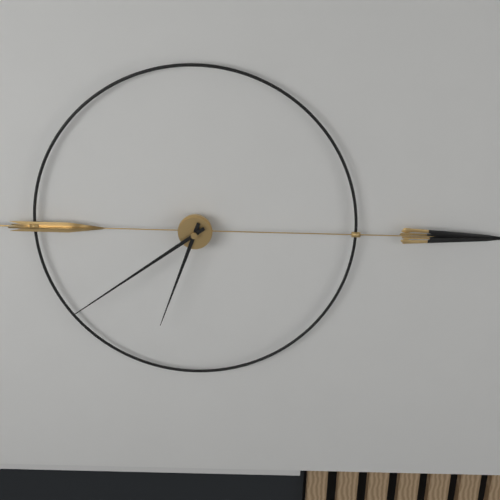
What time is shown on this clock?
6:39
